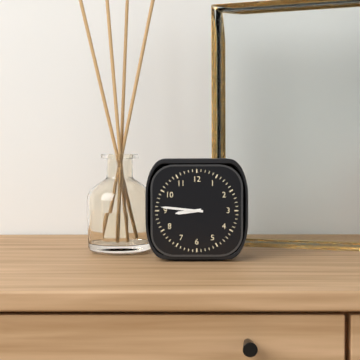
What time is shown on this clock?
8:46
